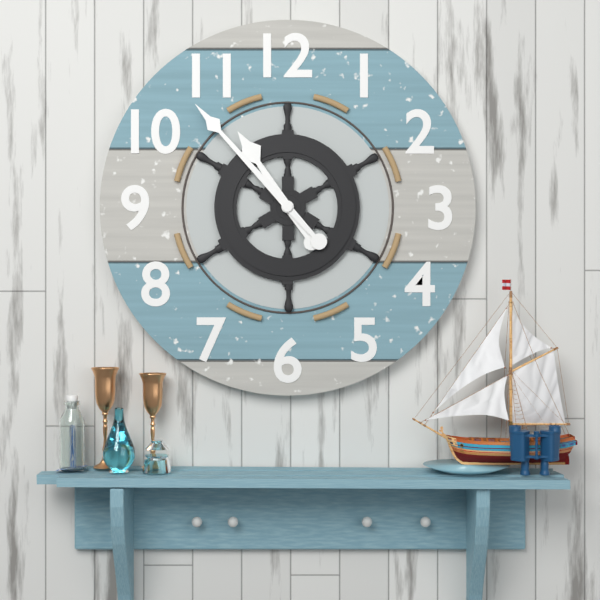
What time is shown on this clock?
10:53
